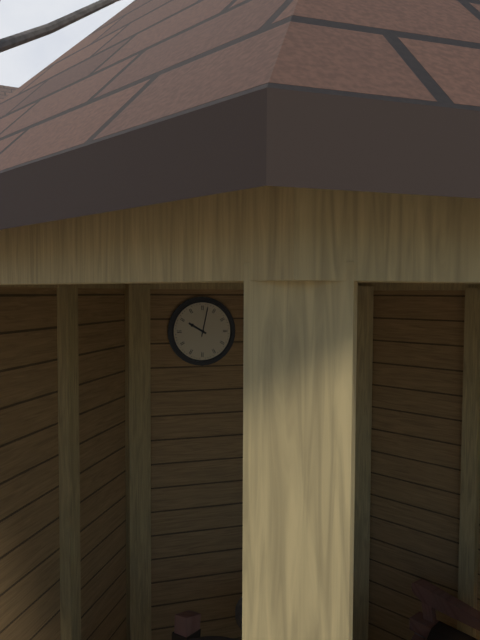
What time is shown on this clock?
10:02
